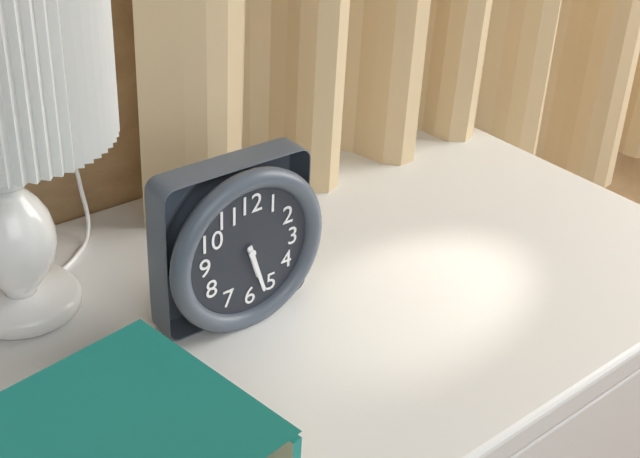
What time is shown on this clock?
5:27
